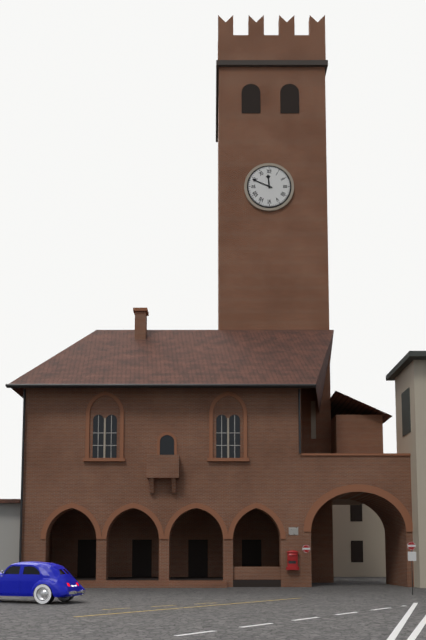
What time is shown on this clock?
11:49
